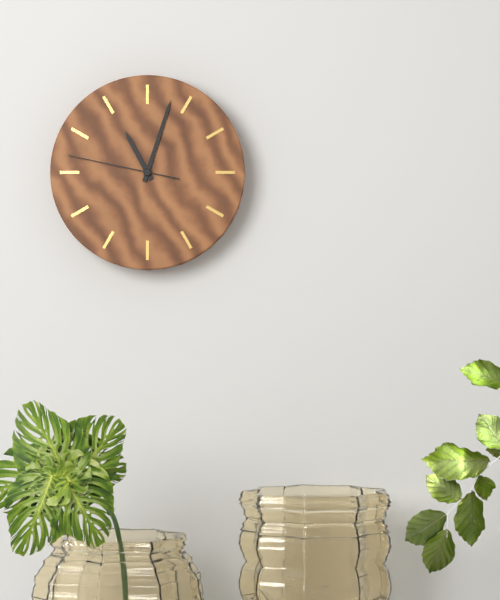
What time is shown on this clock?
11:03:47
